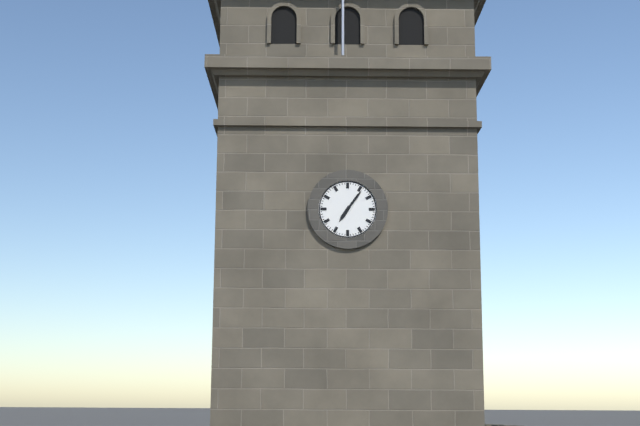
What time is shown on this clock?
7:06
